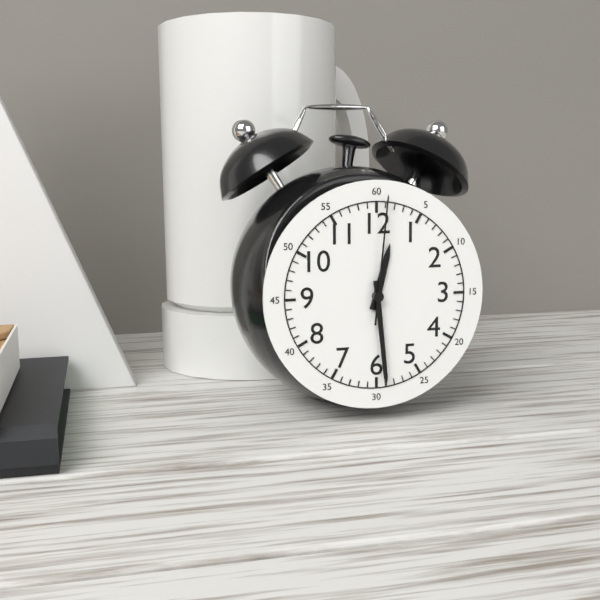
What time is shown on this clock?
12:29:01
